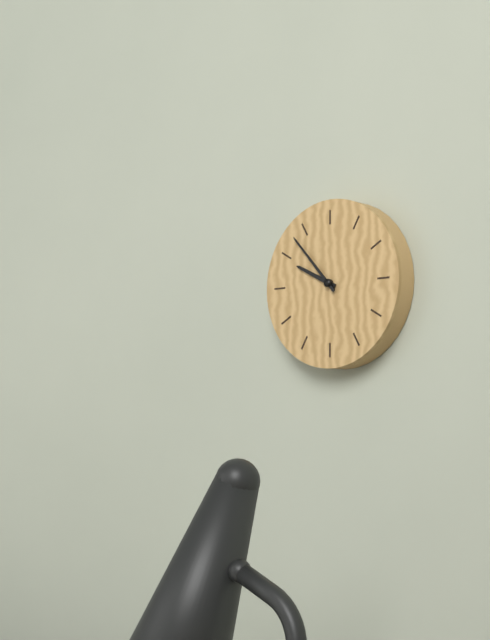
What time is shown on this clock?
9:53
